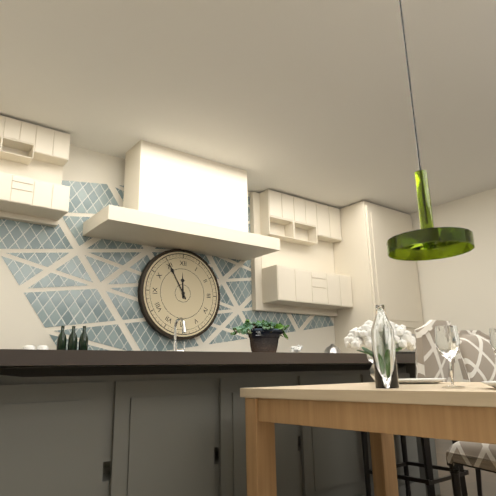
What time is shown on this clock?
11:55
